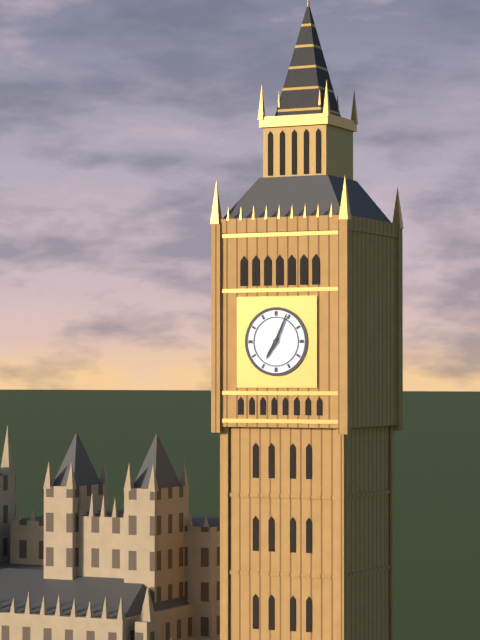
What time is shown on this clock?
7:04
